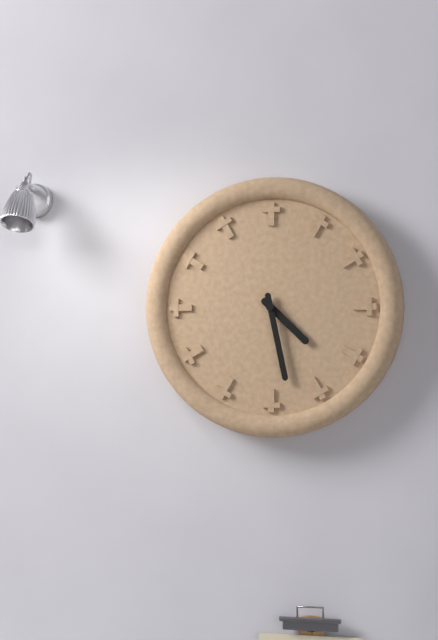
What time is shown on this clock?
4:28
